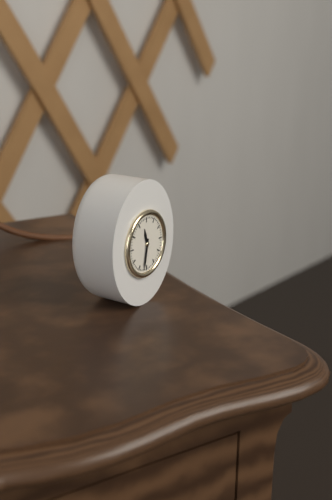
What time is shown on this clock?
11:32
